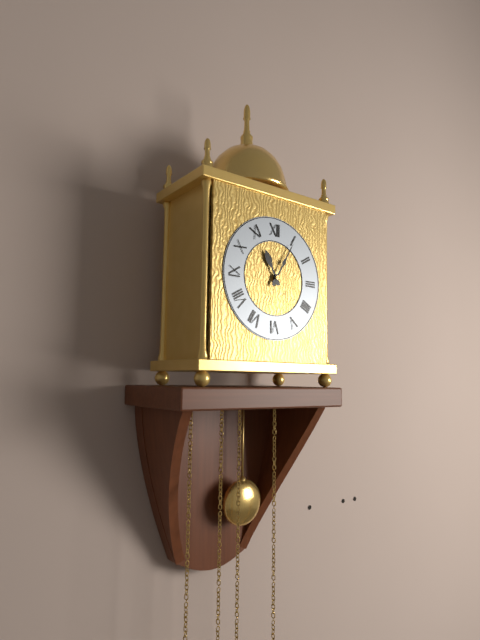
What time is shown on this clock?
11:05
